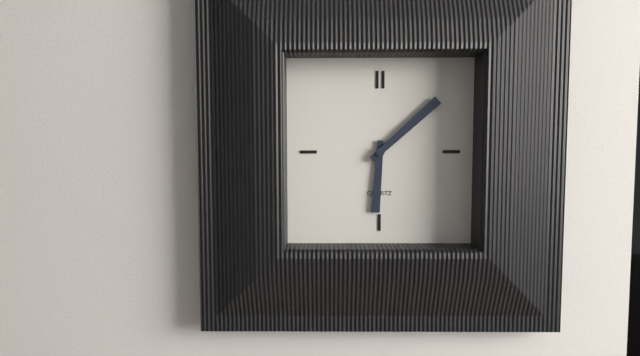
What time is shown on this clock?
6:08
